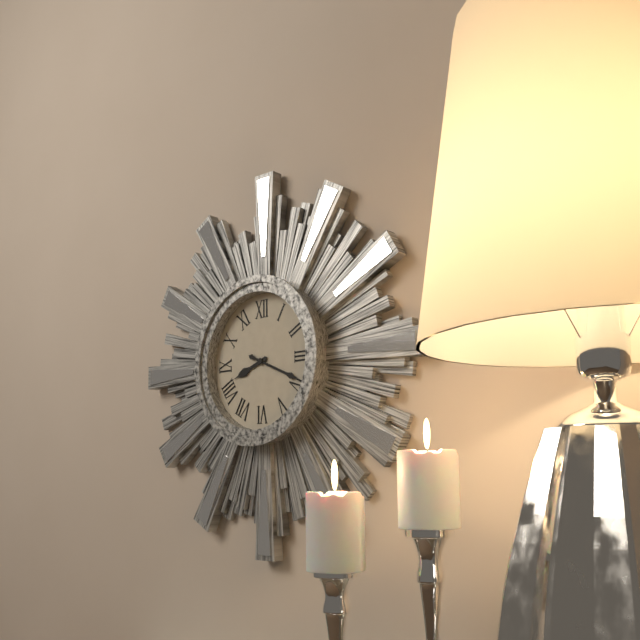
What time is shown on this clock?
8:19
